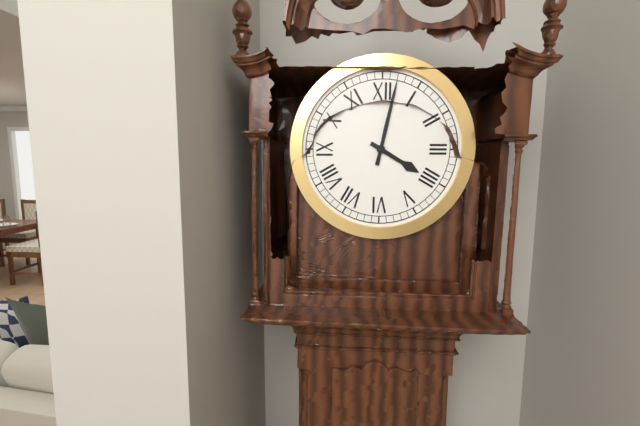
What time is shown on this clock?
4:02
